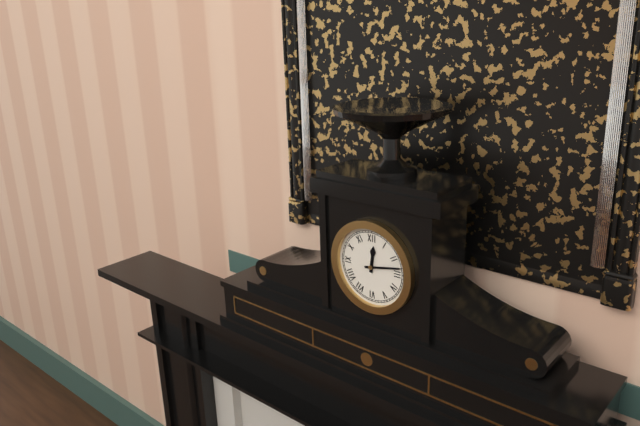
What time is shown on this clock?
12:13
